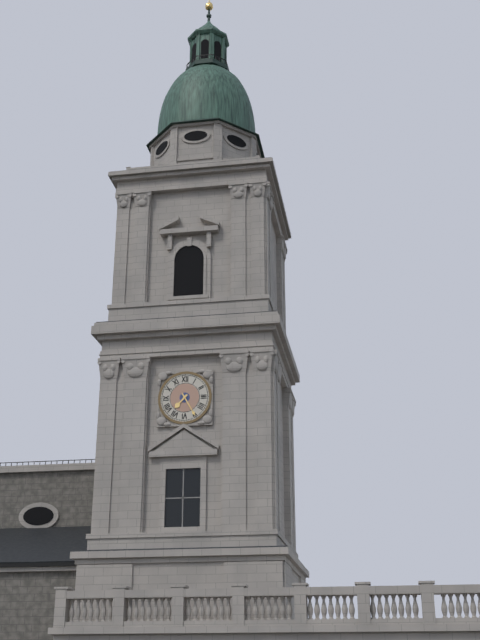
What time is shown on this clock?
7:25
